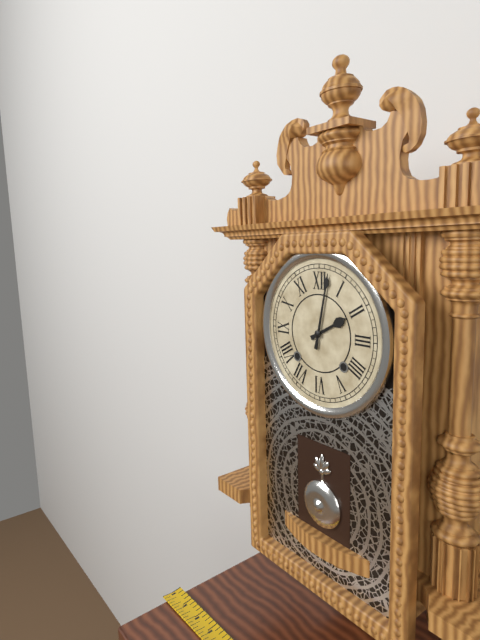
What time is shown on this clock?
2:02
